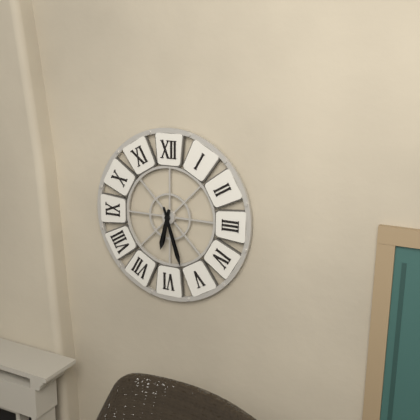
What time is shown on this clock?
6:27
